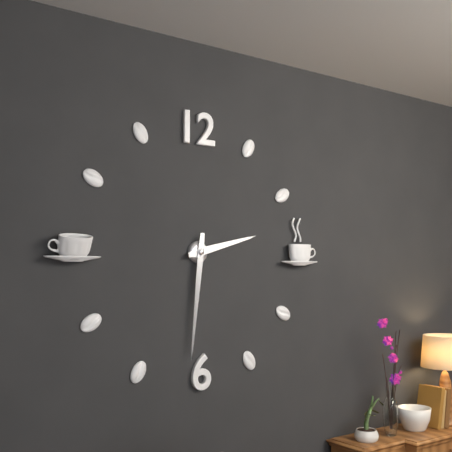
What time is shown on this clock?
2:31
